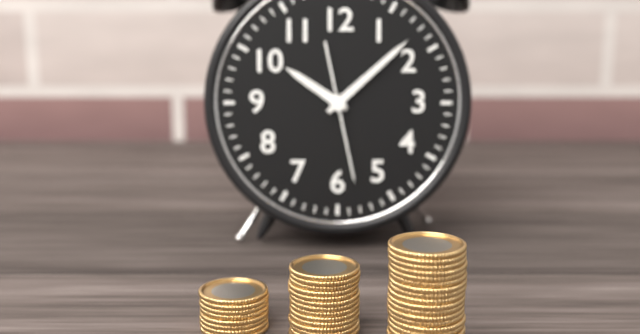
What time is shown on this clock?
10:08:28
